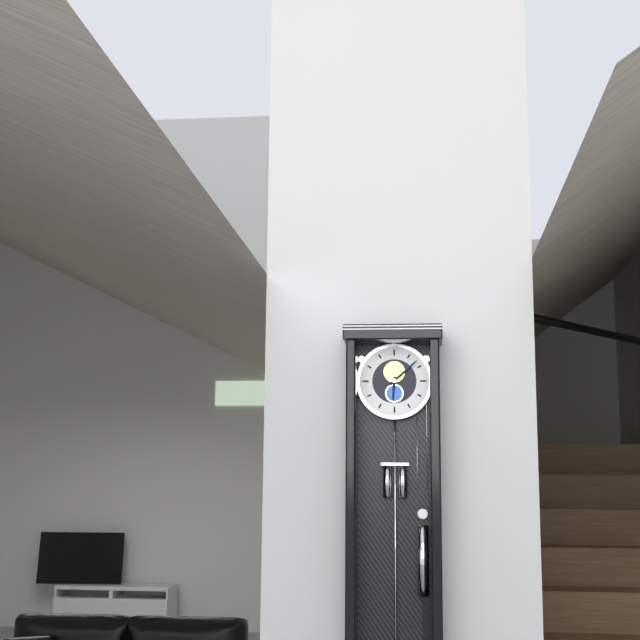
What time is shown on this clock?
6:08
